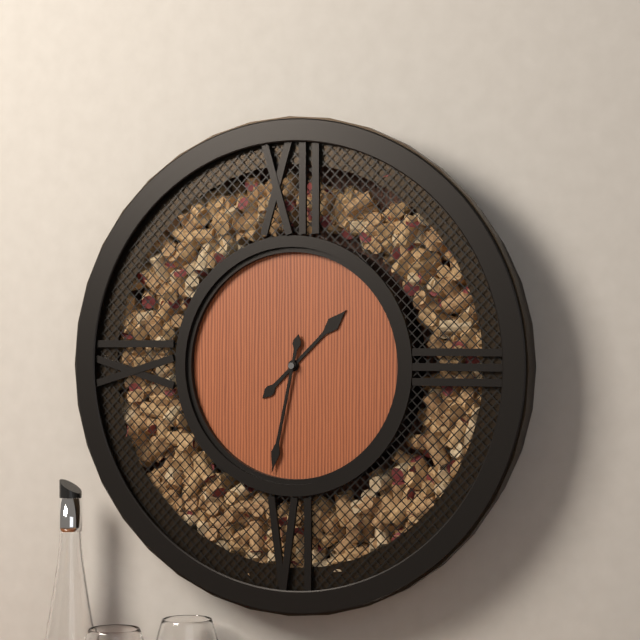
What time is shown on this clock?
1:32
